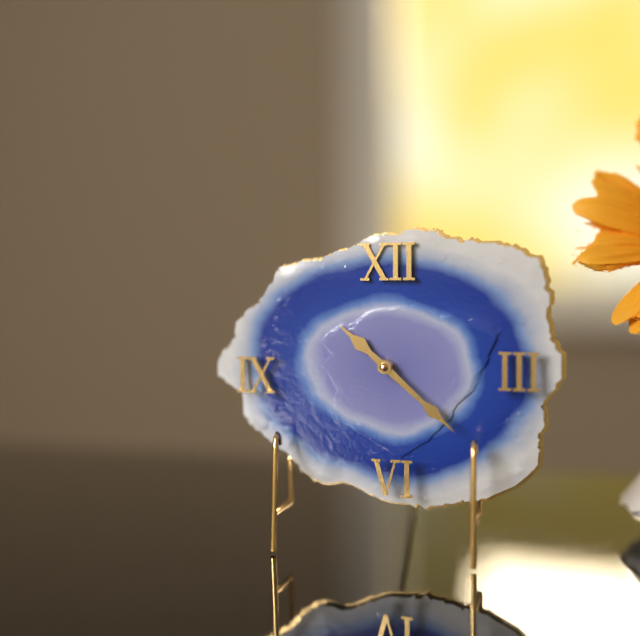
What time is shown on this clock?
10:22
